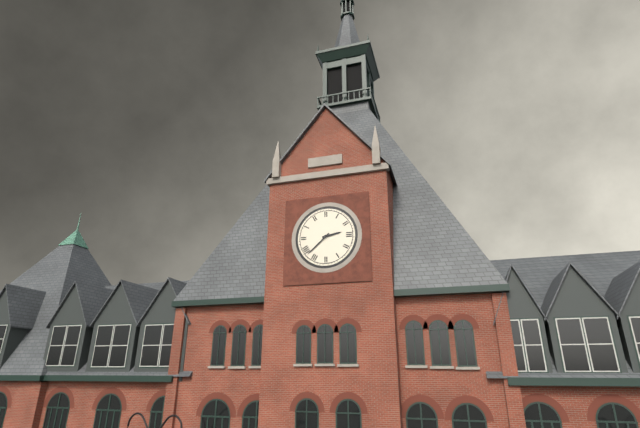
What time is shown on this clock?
2:38
